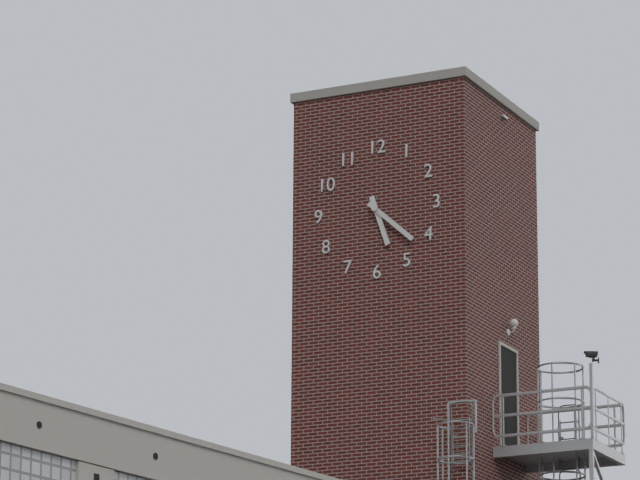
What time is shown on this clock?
5:22
